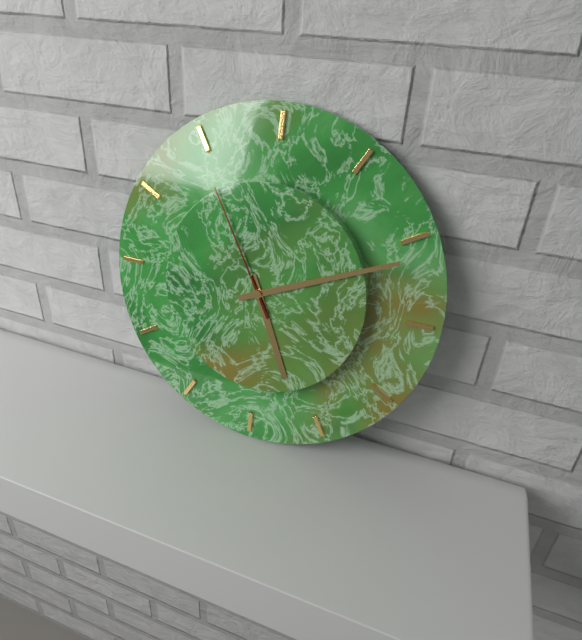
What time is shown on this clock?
5:11:55
